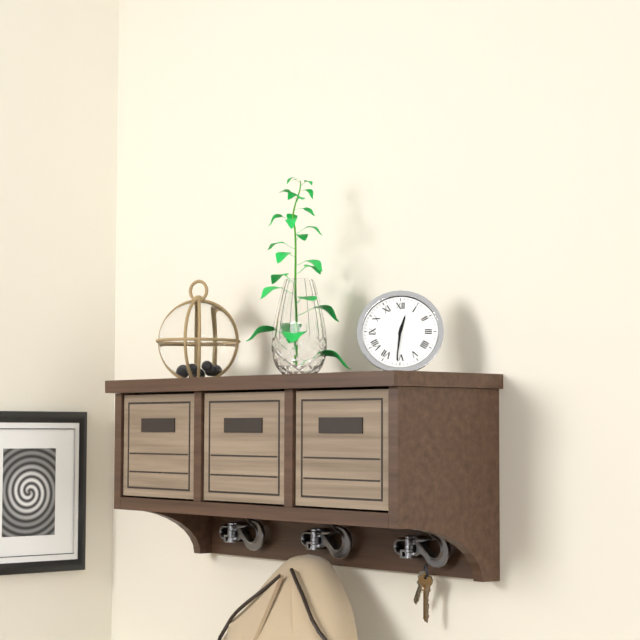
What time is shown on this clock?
12:31
